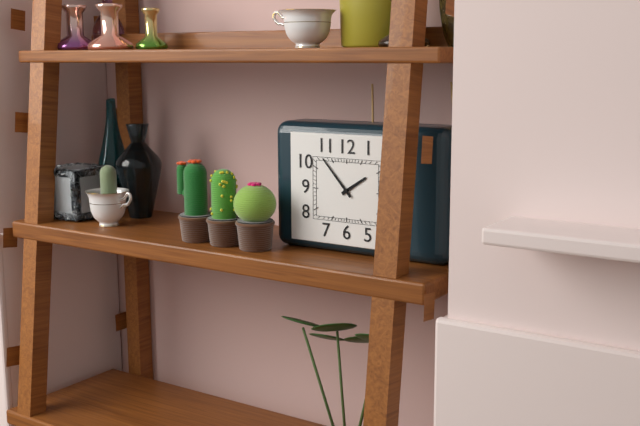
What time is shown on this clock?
1:53
